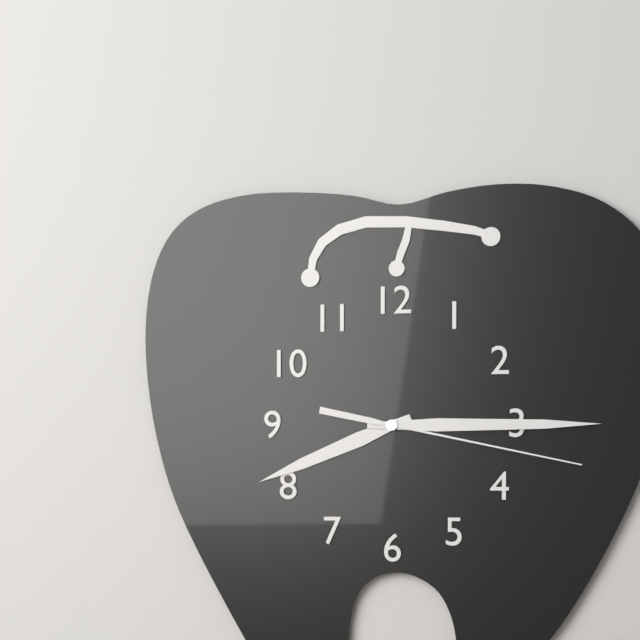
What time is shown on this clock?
8:15:17
